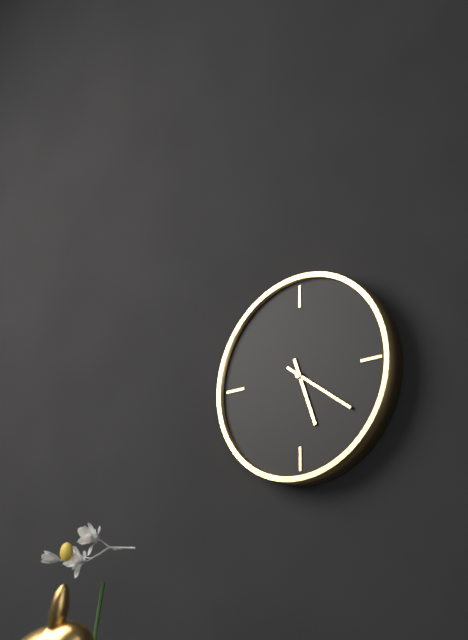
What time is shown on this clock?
5:21
